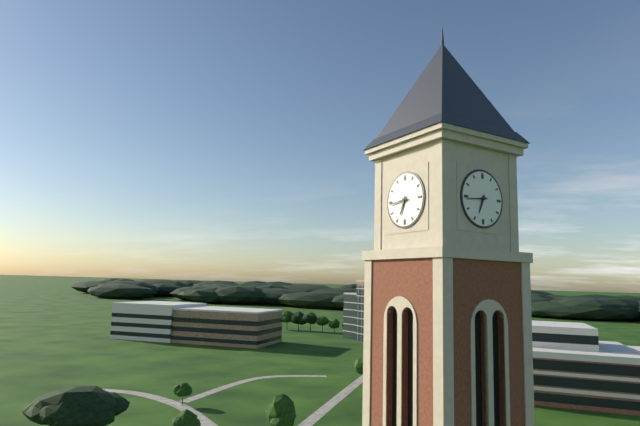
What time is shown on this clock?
6:44
